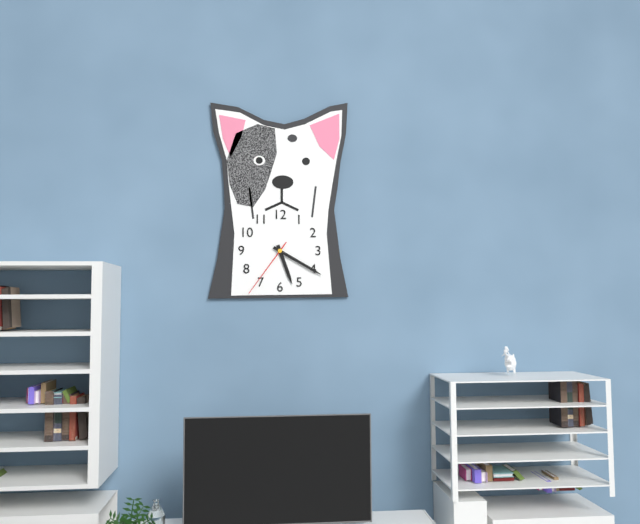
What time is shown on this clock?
5:20:36
